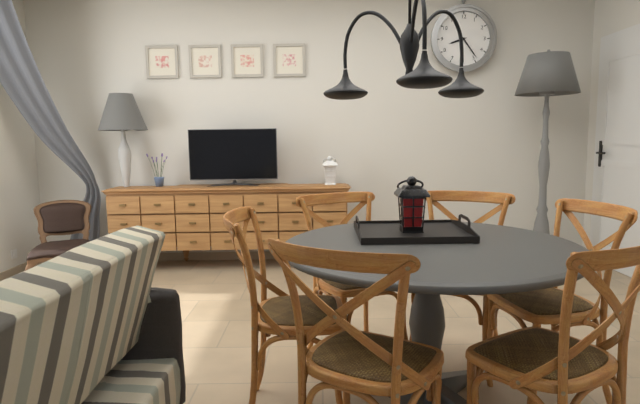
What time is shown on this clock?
8:24
